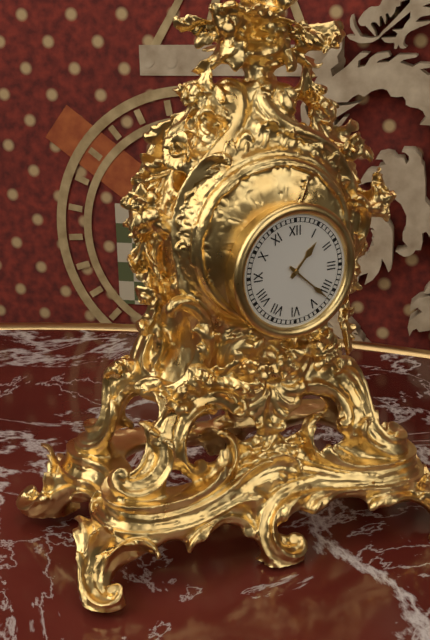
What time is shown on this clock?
1:22
